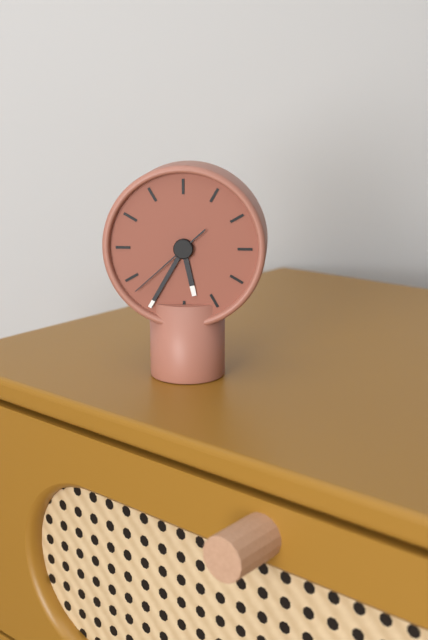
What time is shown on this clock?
5:35:38
